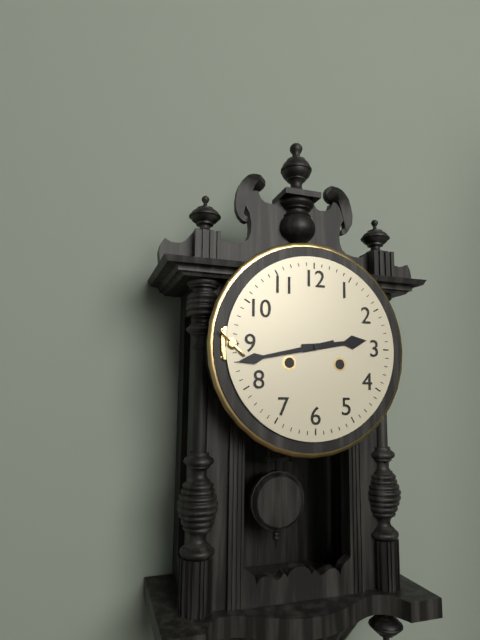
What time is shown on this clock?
2:43
